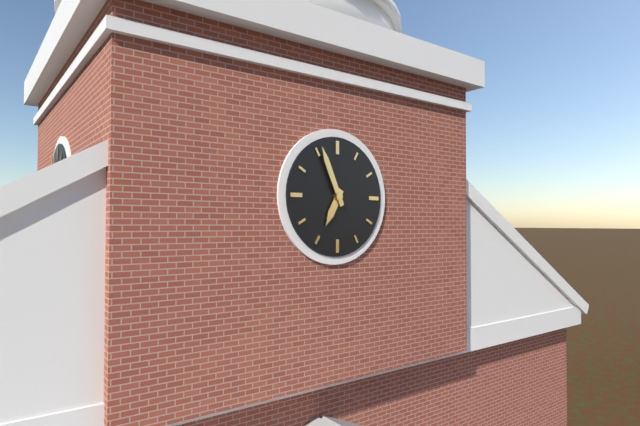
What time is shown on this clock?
6:56
